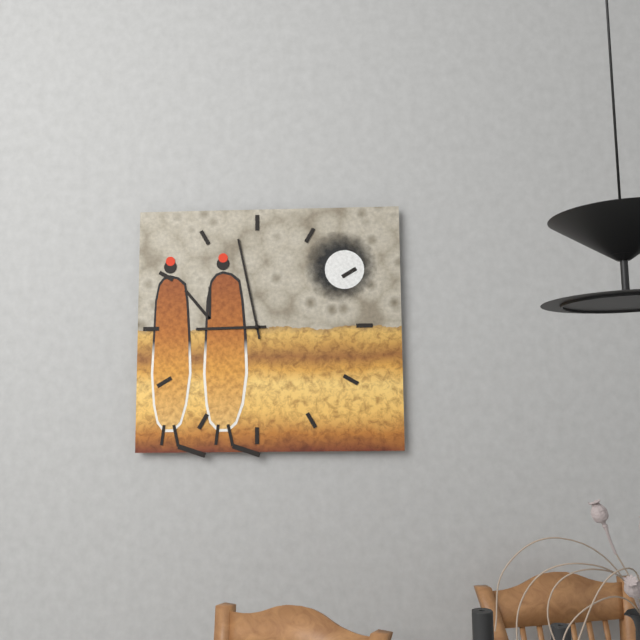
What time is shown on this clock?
8:58
